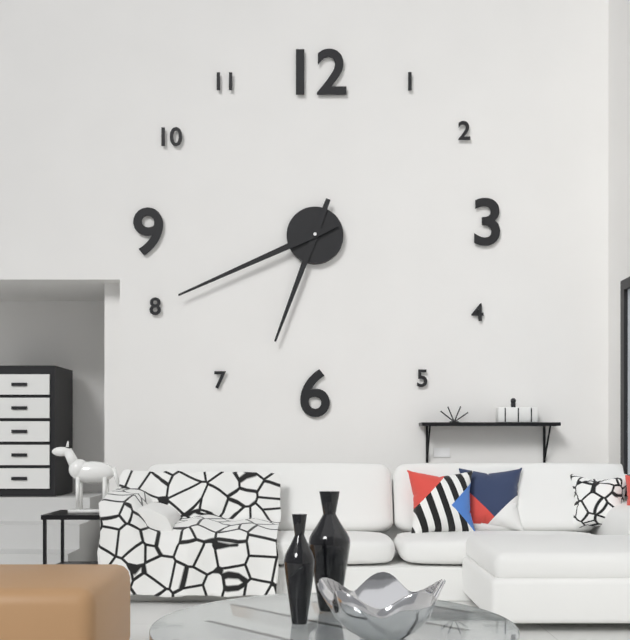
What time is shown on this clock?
6:41
